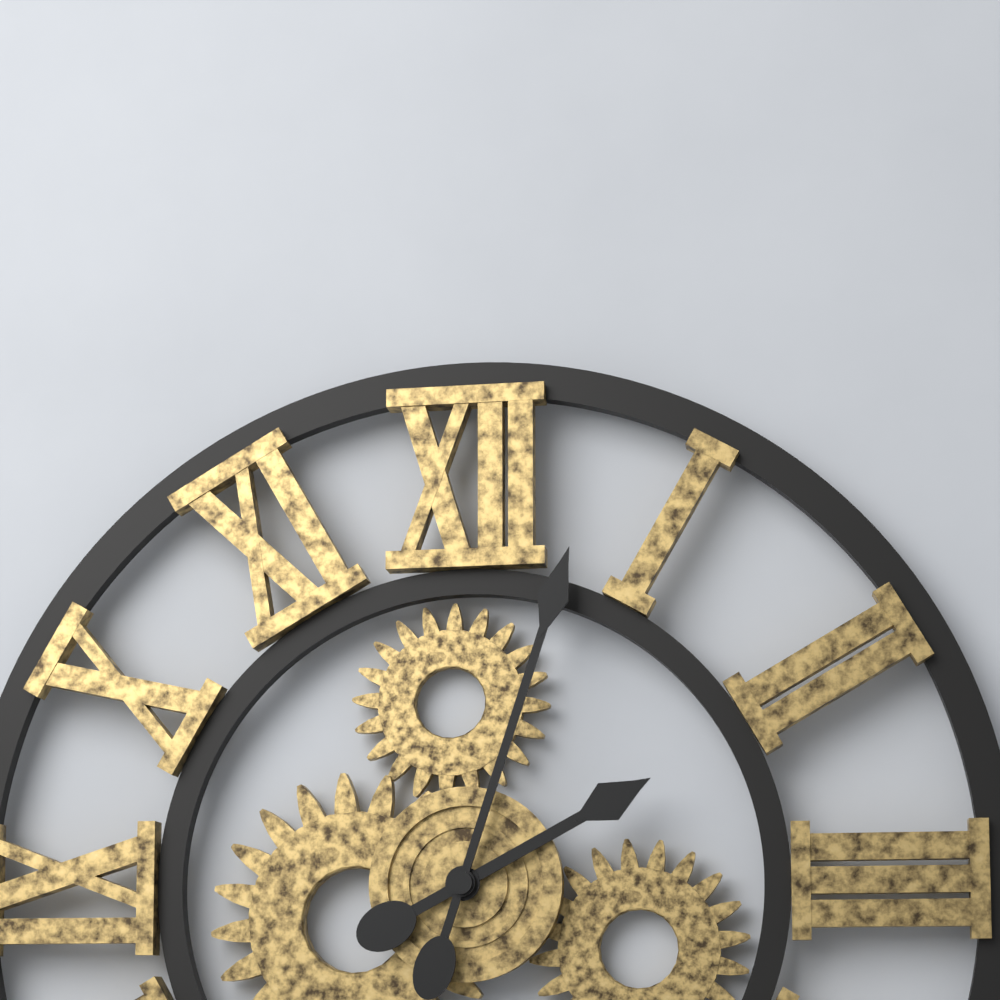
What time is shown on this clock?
2:03
